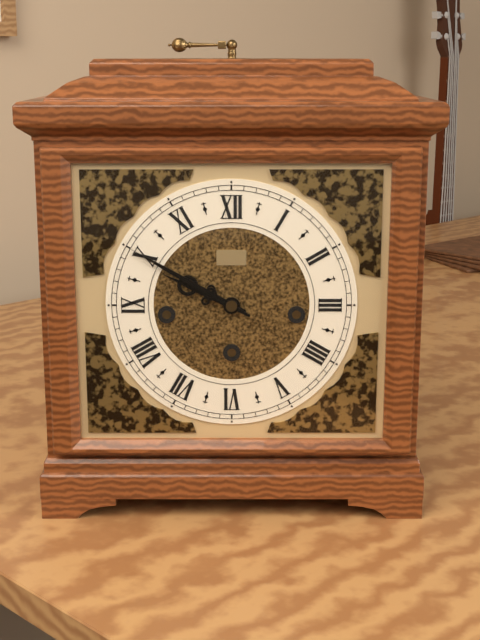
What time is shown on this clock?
9:50
